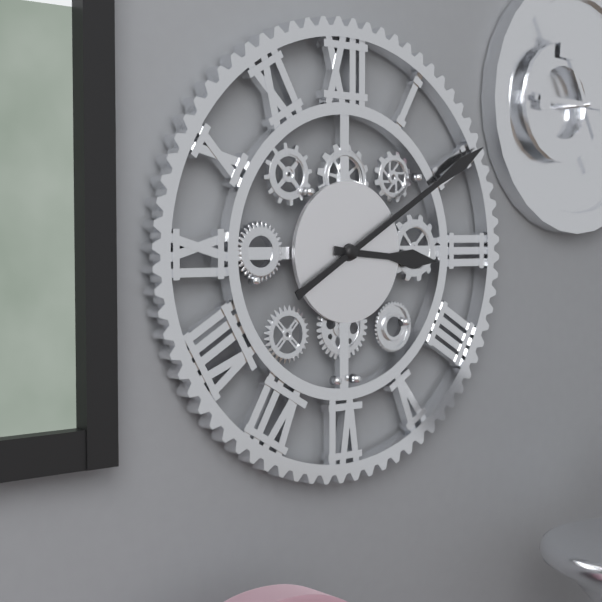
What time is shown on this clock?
3:10
